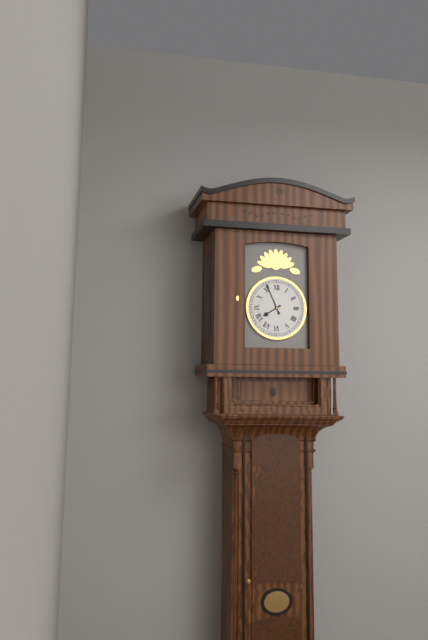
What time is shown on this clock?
7:56
